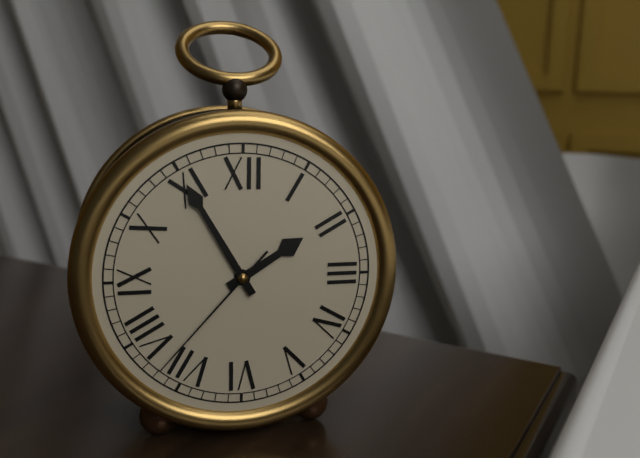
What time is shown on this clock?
1:55:37
